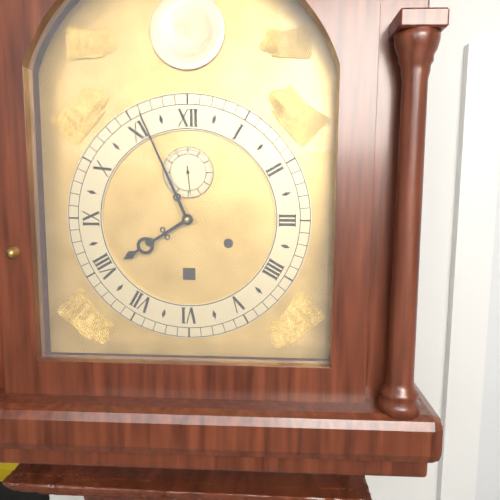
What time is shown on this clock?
7:56
